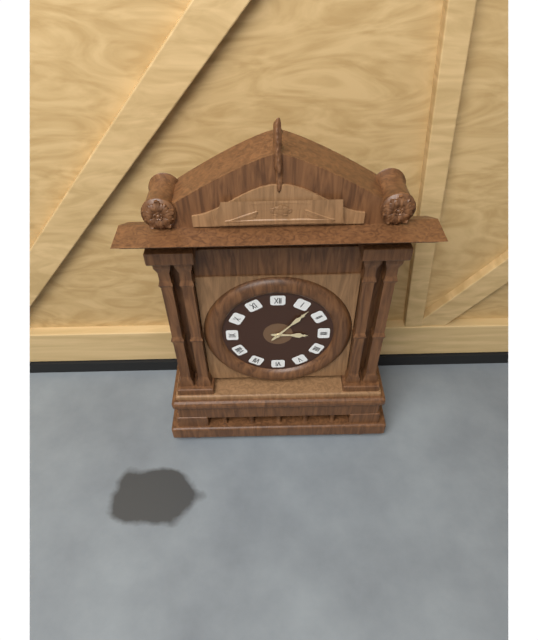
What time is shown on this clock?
3:07
